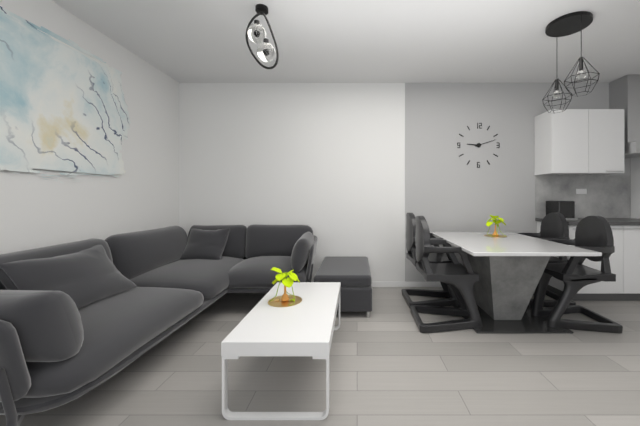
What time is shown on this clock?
9:12
